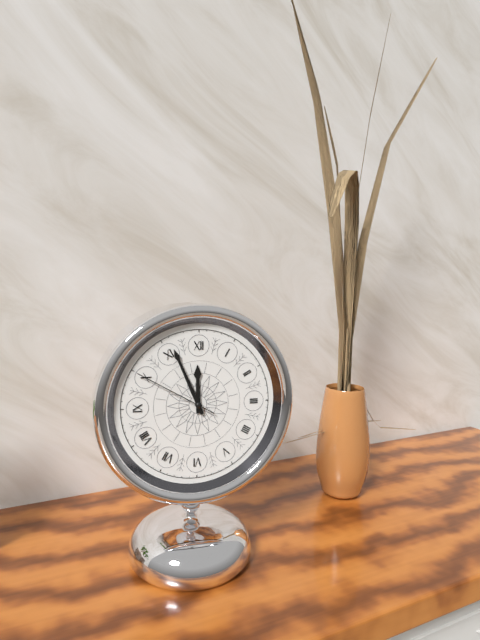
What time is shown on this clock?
11:56:50
